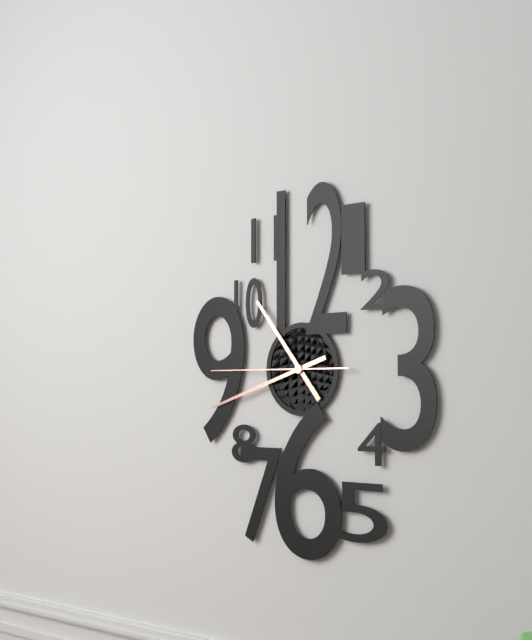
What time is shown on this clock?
10:42:45
